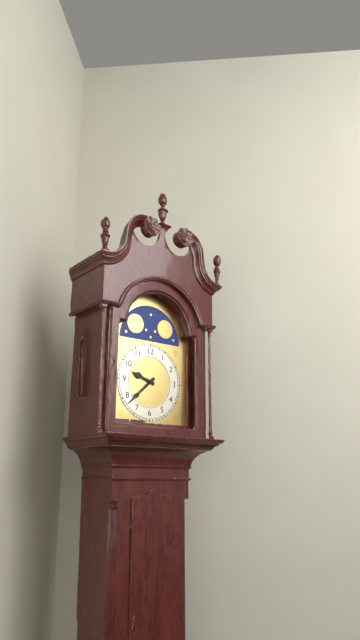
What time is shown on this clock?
9:38
